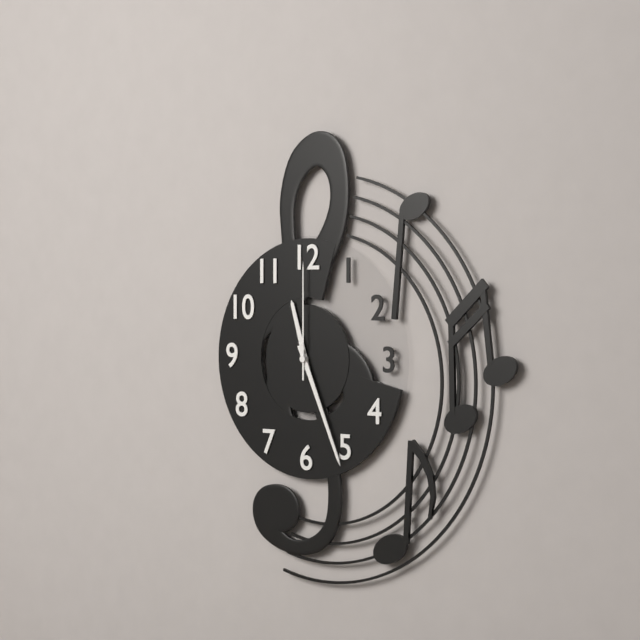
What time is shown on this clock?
11:26:00
